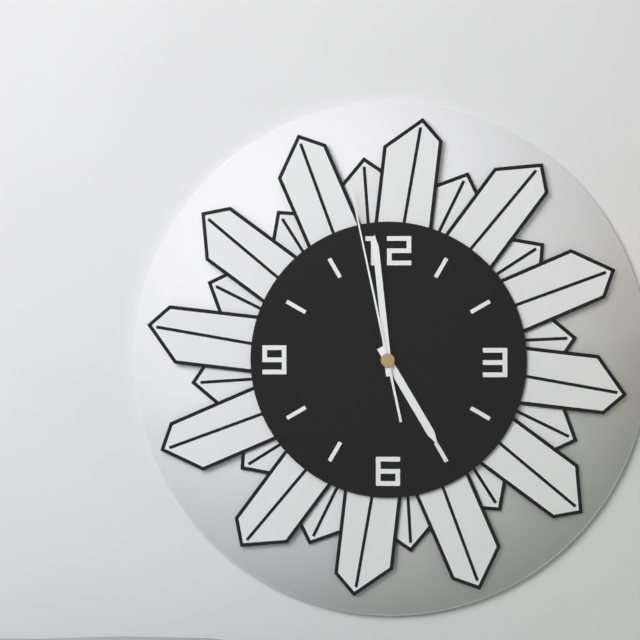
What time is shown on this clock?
4:59:58
